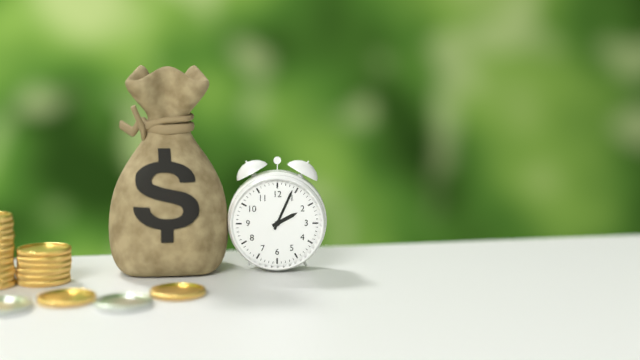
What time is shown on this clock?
2:04
